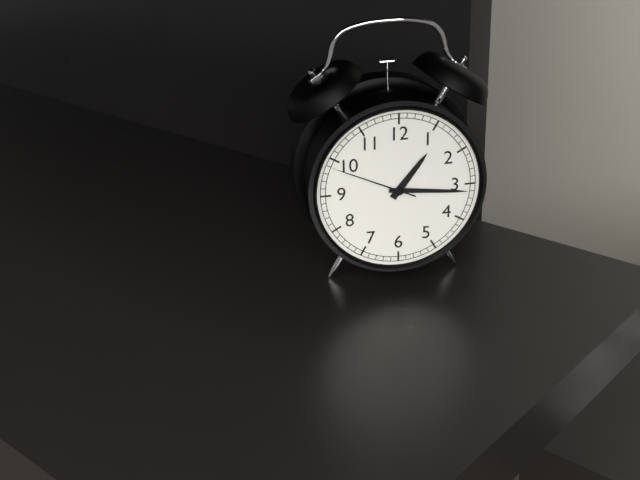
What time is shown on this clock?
1:16:49
